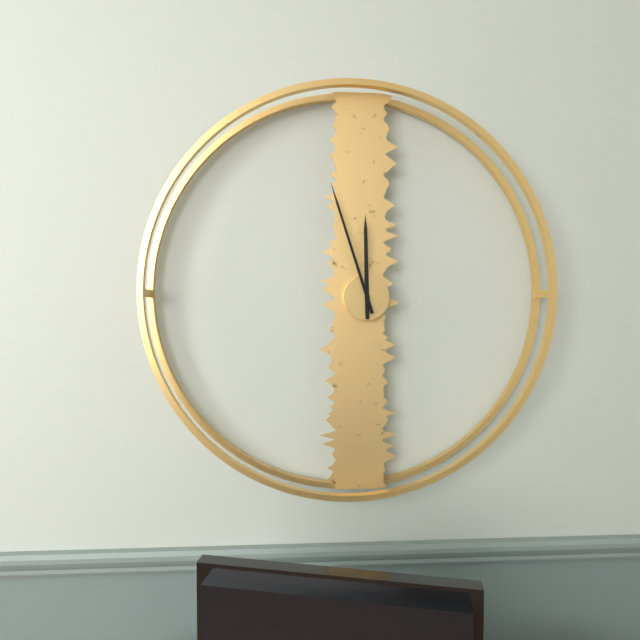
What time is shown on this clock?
11:57
